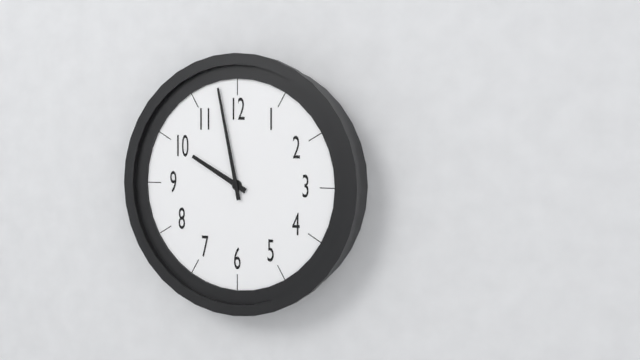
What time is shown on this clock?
9:58
